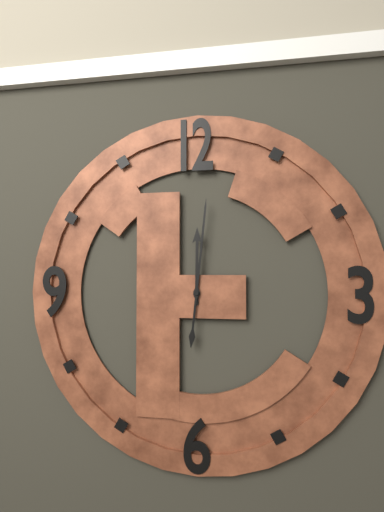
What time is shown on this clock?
12:01
